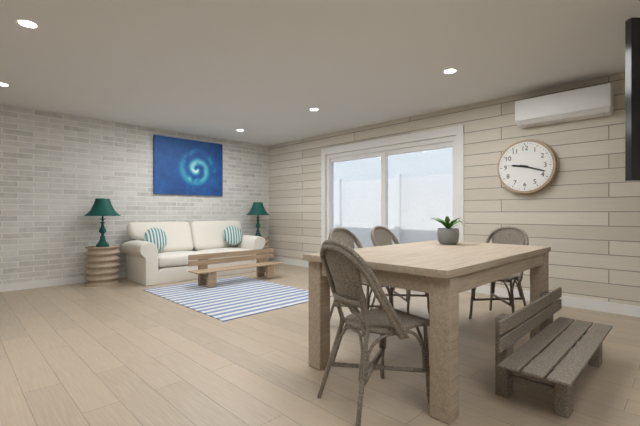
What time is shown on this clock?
9:18
